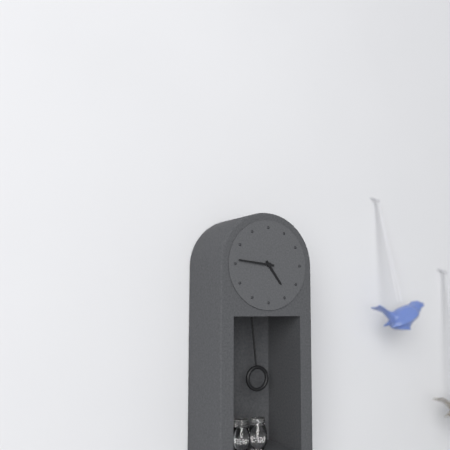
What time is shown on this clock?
4:46
